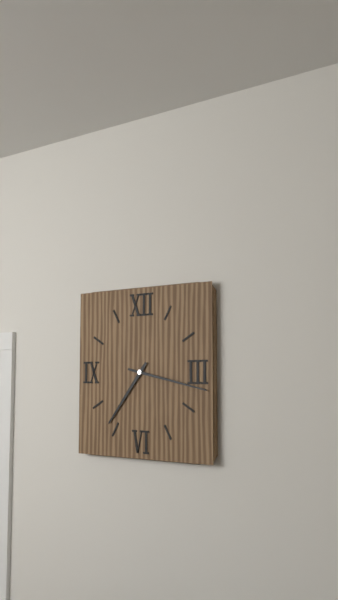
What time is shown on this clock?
7:17
